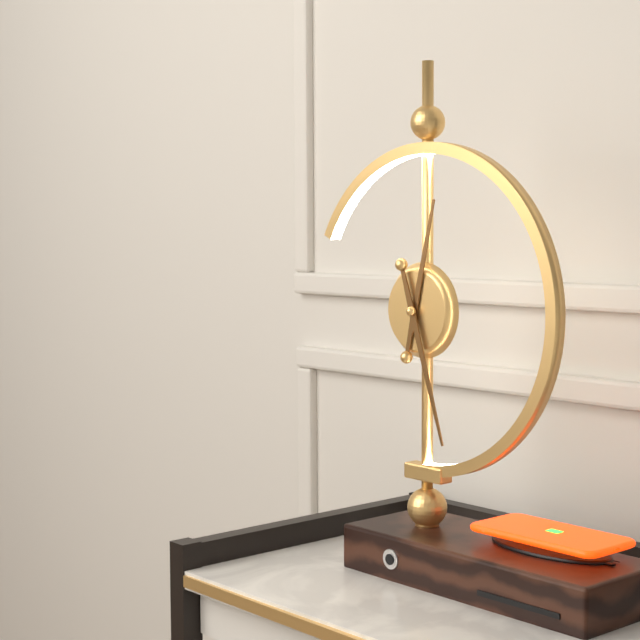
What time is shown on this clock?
12:27
